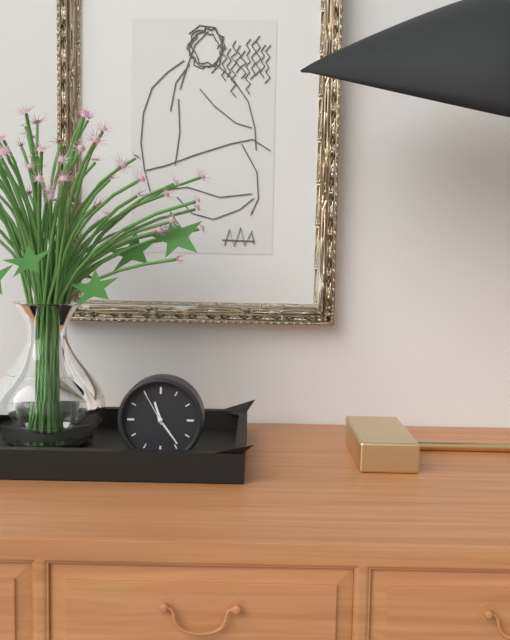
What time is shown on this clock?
11:24
